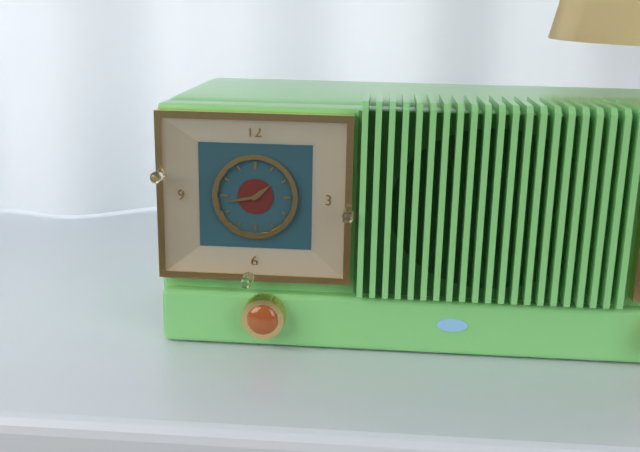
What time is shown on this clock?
1:43
